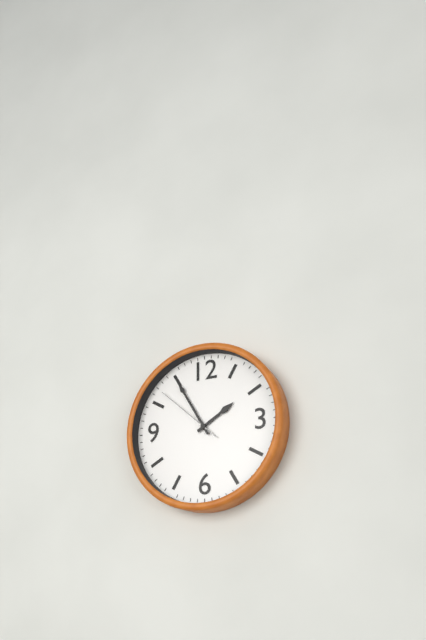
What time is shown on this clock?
1:55:52
